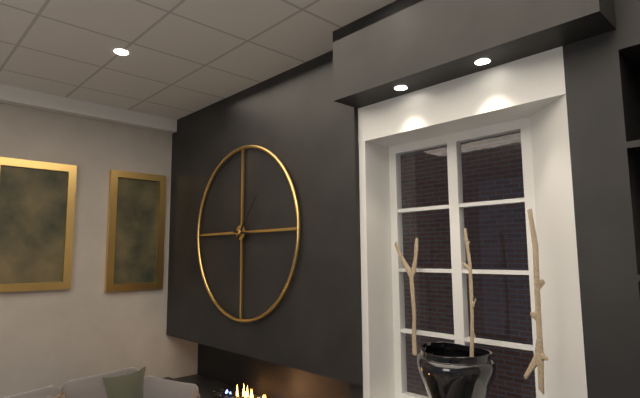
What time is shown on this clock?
1:16
